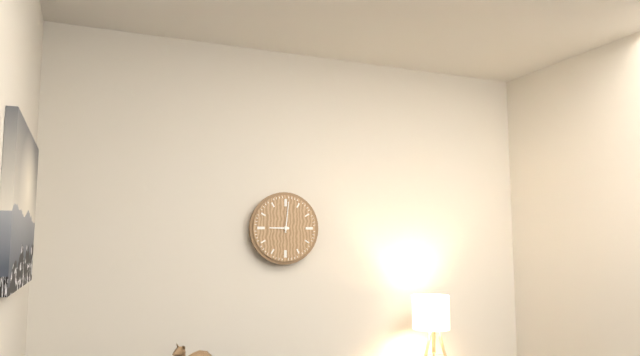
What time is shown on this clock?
9:01
